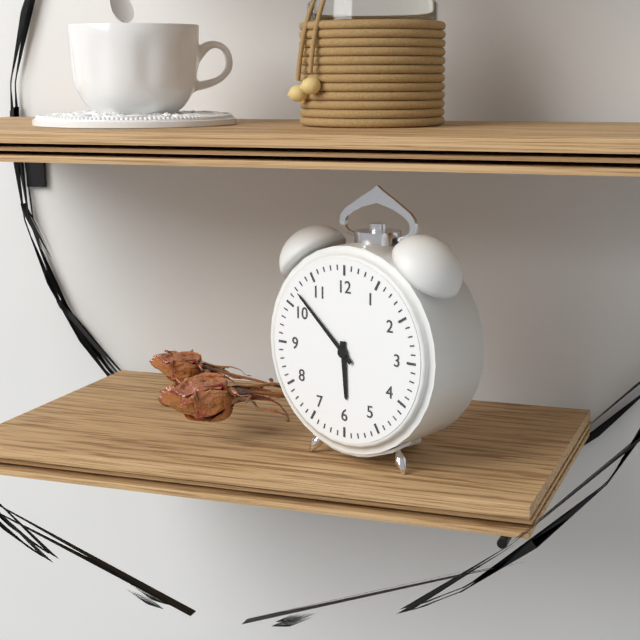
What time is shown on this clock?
5:52
